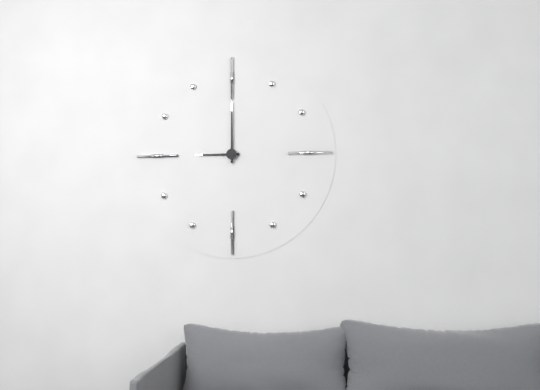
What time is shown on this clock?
9:00
